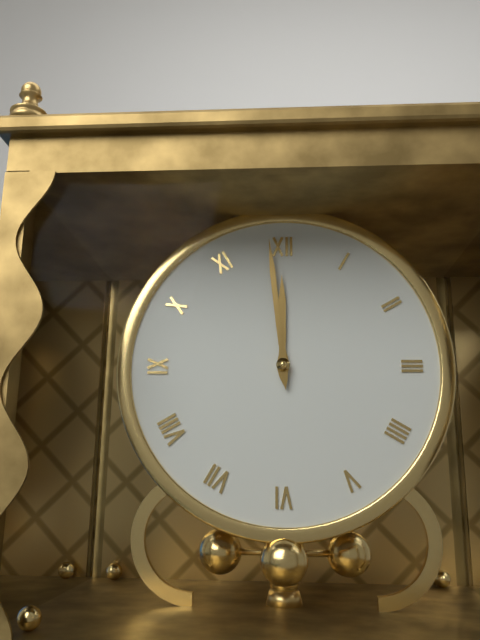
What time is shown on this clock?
11:59
